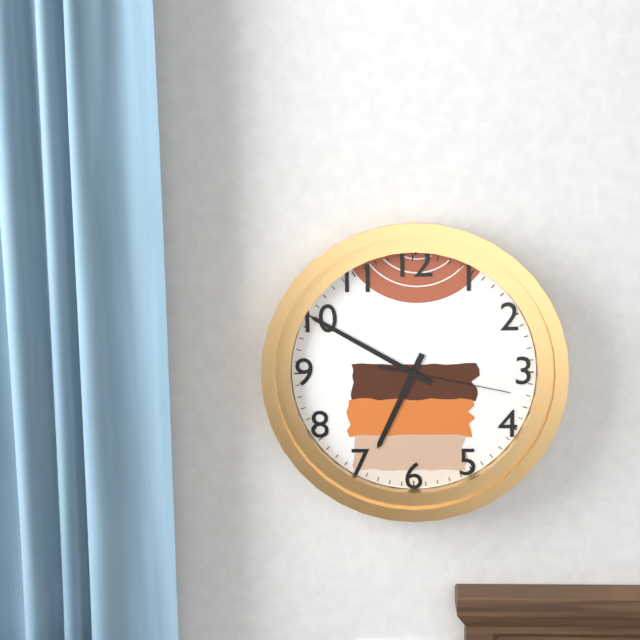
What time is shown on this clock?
6:50:17
